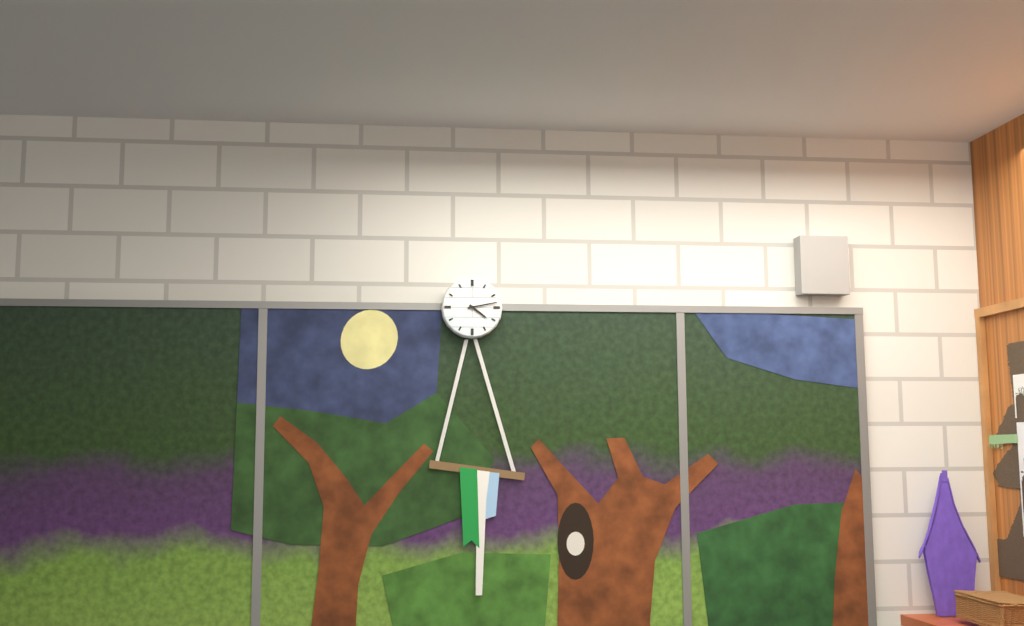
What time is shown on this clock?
4:13
